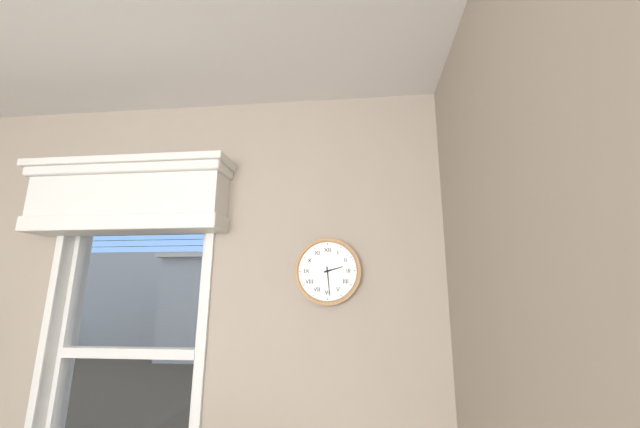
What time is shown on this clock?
2:29
